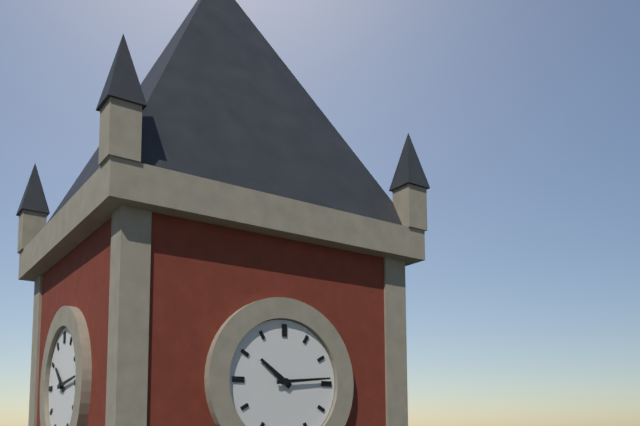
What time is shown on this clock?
10:14
